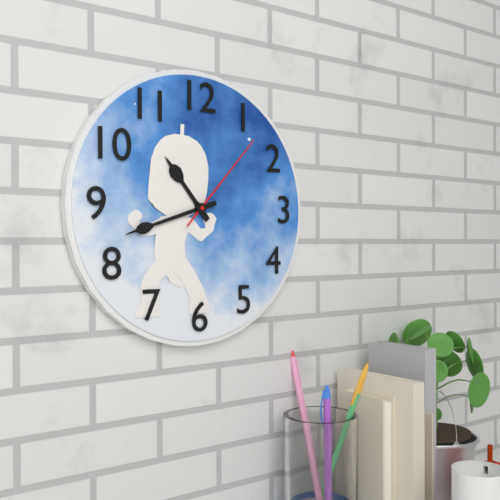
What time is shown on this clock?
10:42:07
